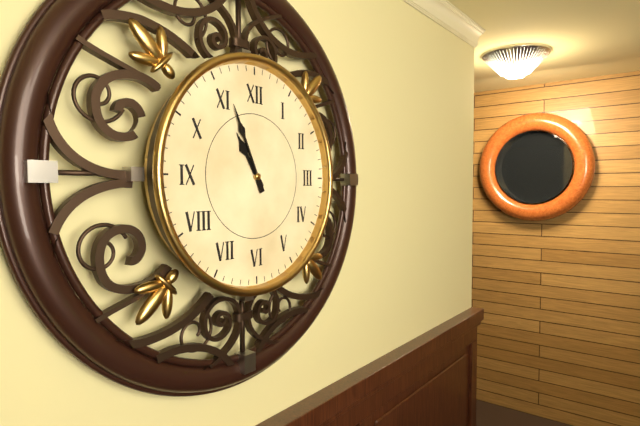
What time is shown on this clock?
10:56
